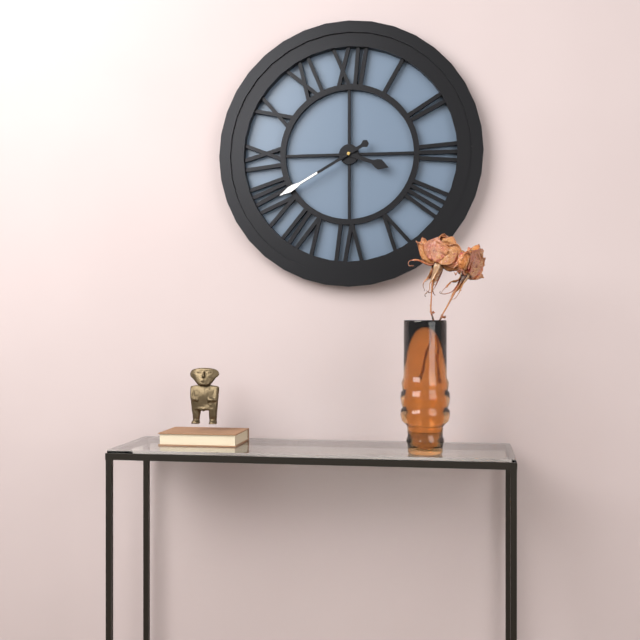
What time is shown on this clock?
3:40
